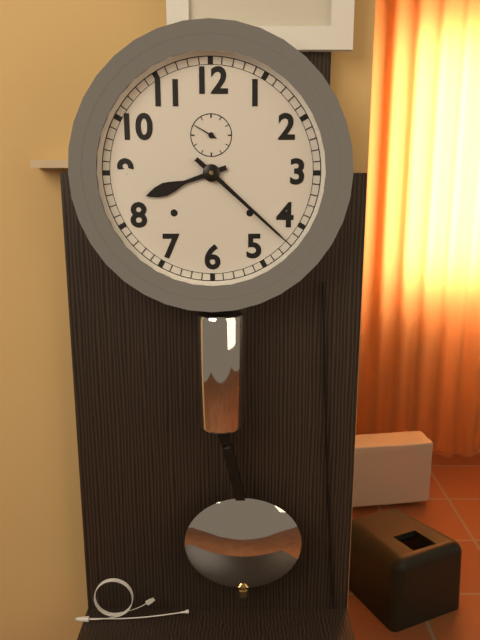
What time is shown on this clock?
8:22
